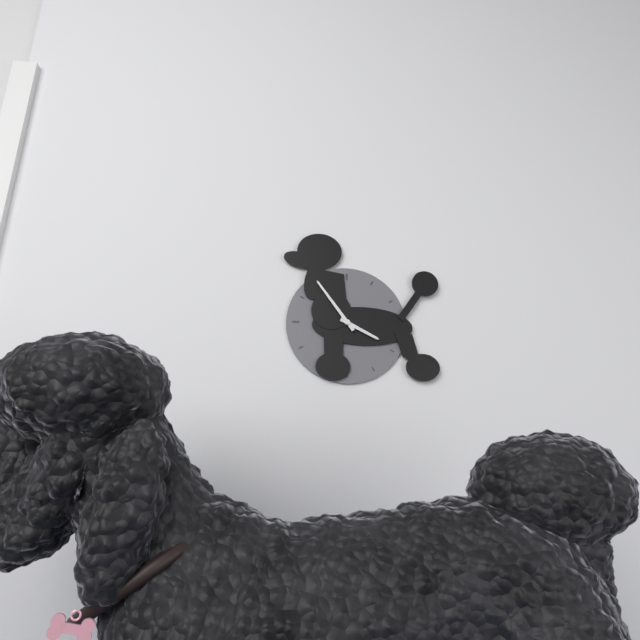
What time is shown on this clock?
3:54
